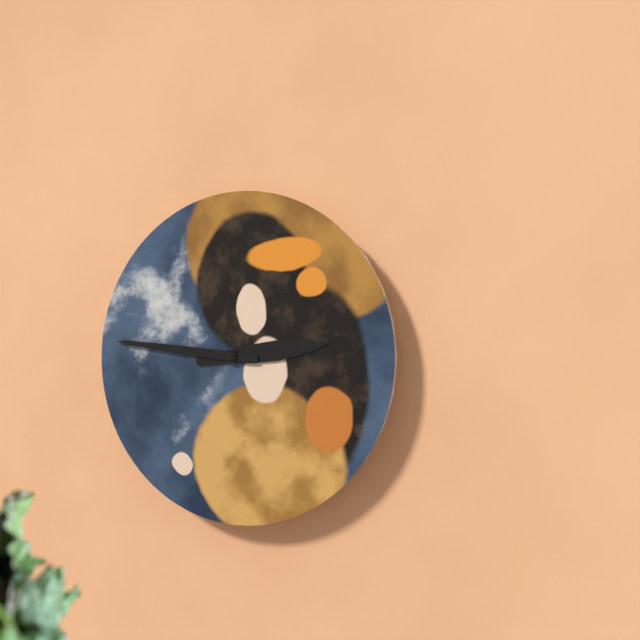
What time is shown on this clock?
2:46
